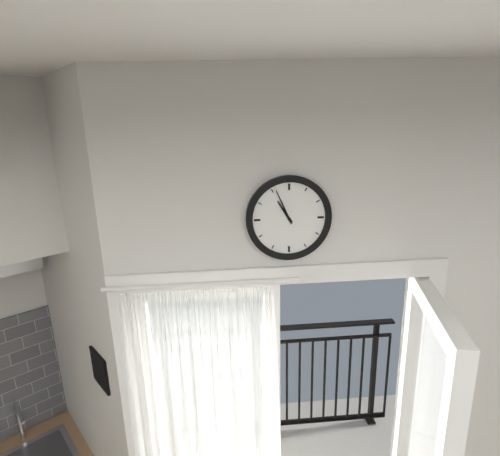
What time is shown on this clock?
10:56
